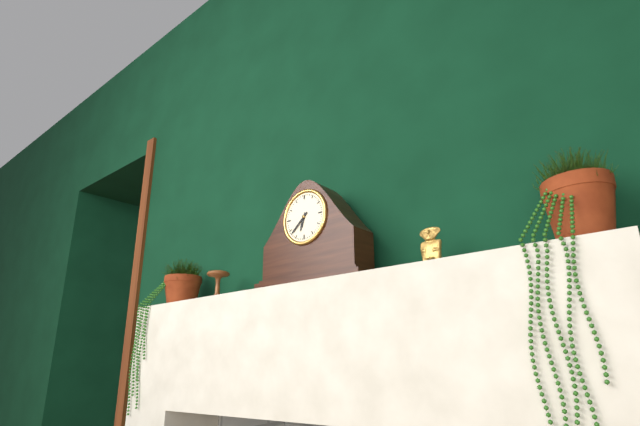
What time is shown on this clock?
6:38
